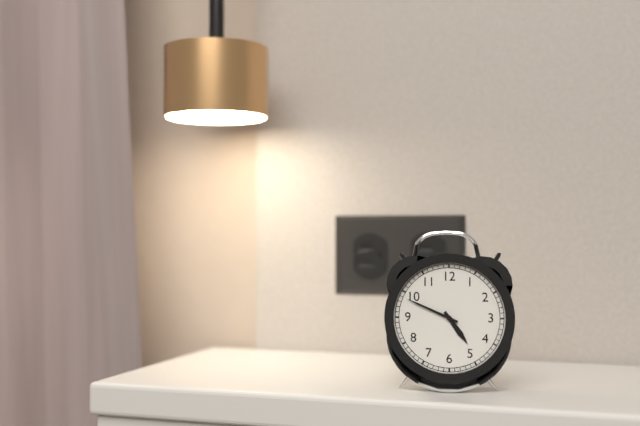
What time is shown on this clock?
4:49
